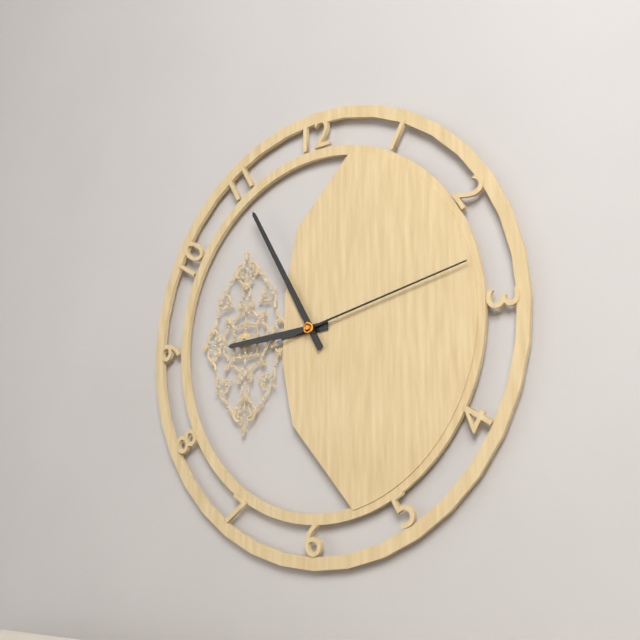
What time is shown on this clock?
8:55:13
